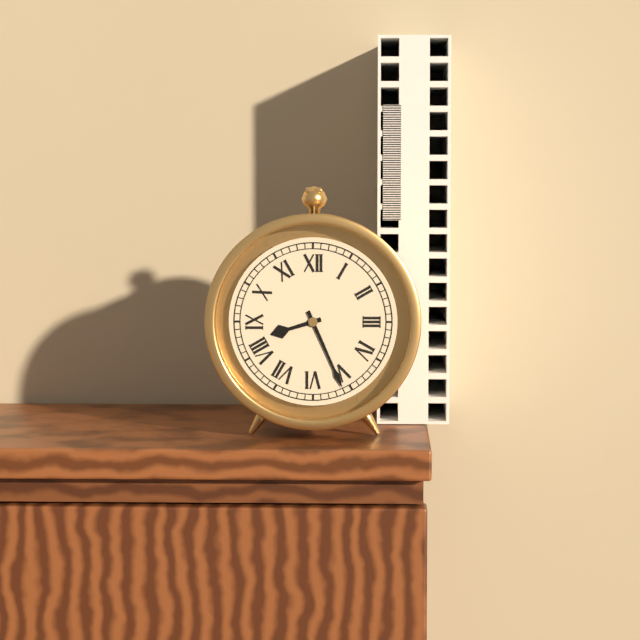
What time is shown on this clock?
8:26
